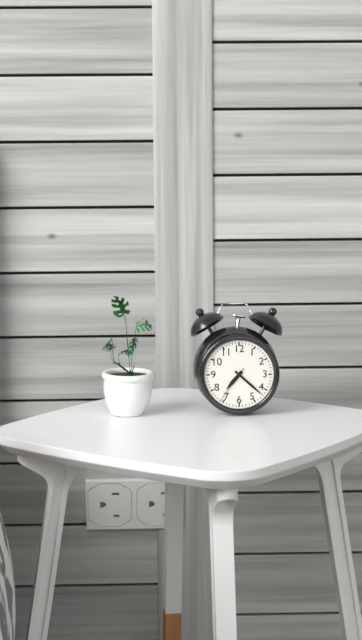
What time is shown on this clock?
7:22
